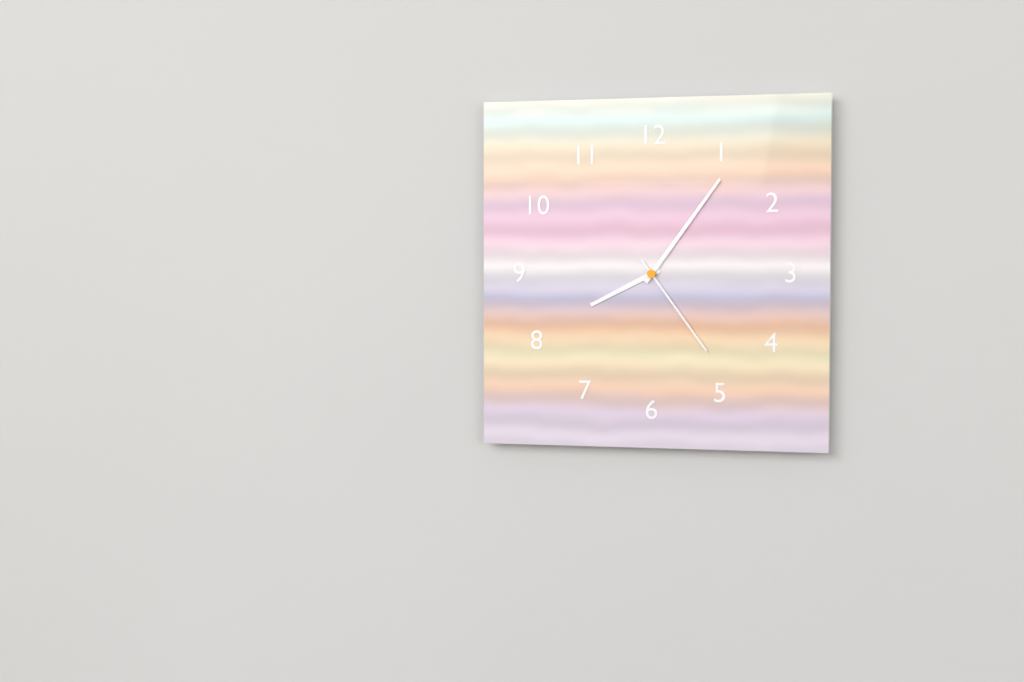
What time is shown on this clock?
8:06:24
